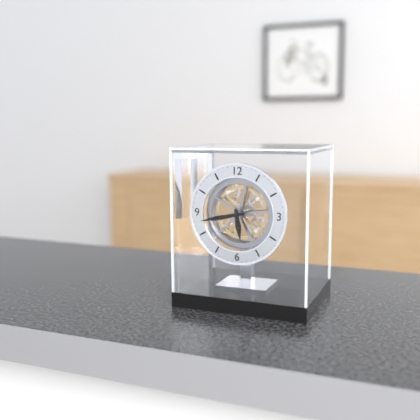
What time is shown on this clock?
5:43
